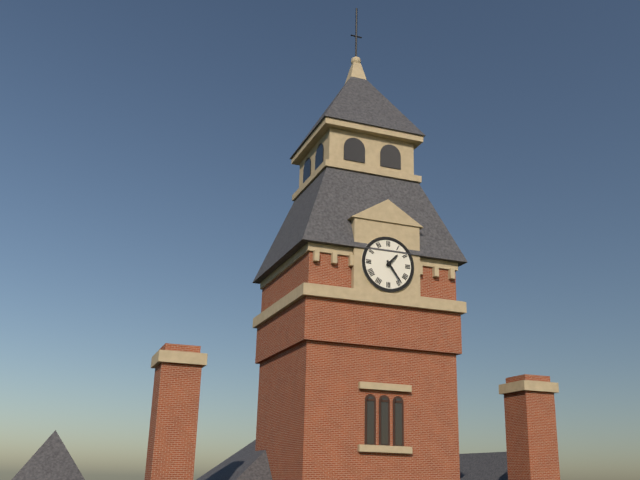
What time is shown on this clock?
1:24
